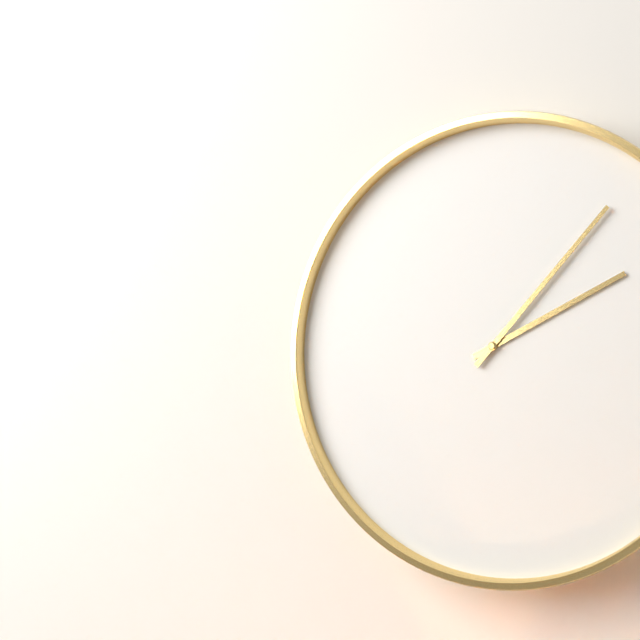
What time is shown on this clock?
2:07
